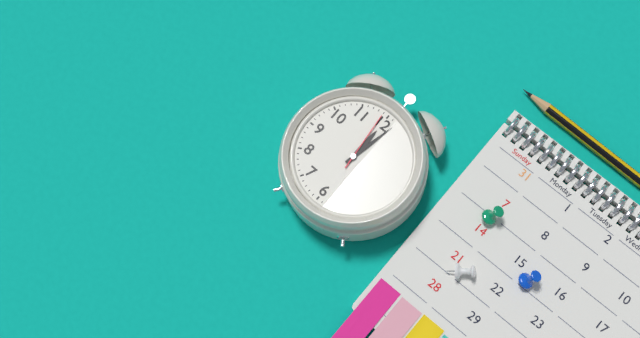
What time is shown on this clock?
12:02:59
